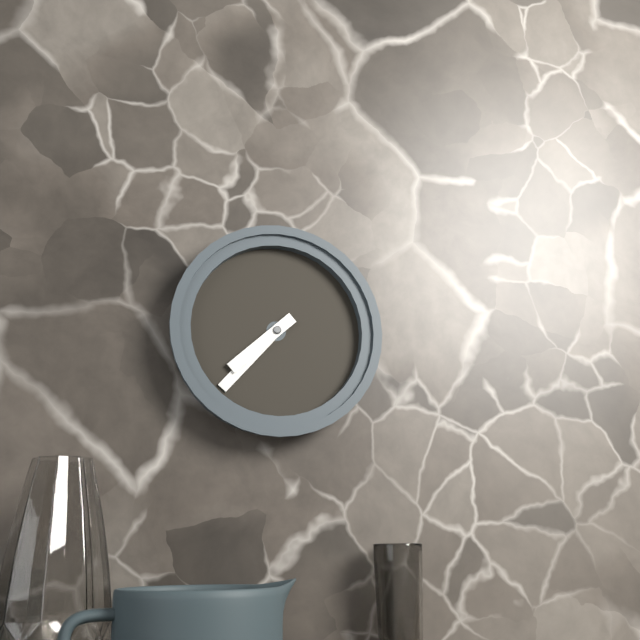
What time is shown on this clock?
7:37
